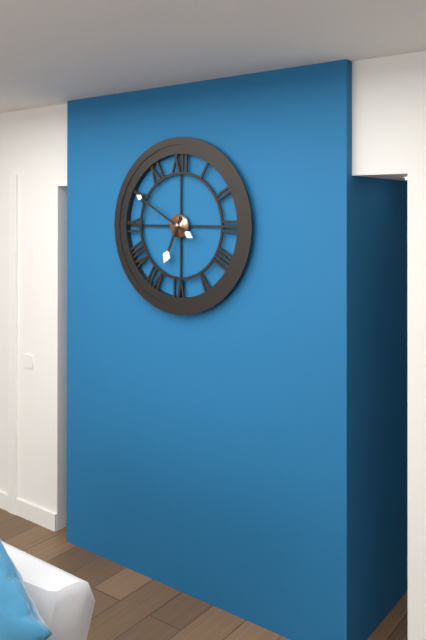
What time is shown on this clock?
6:50
